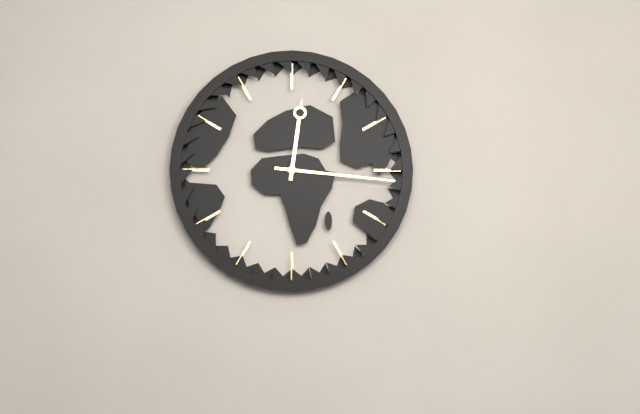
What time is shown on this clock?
12:16
